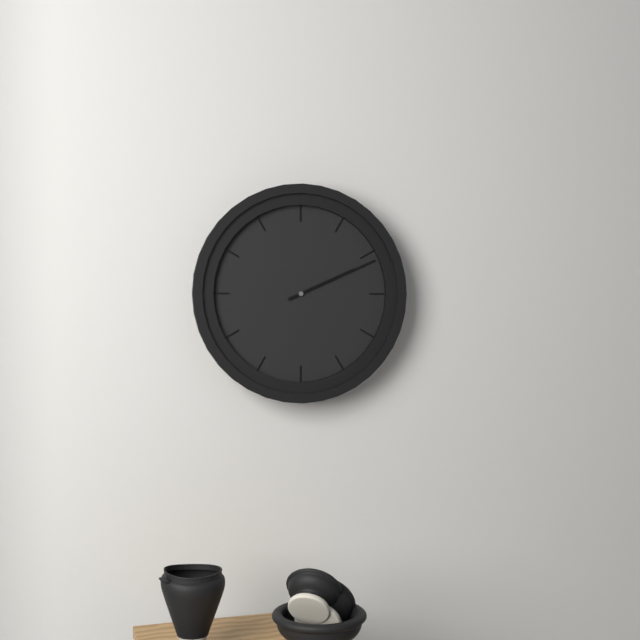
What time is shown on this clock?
2:11
